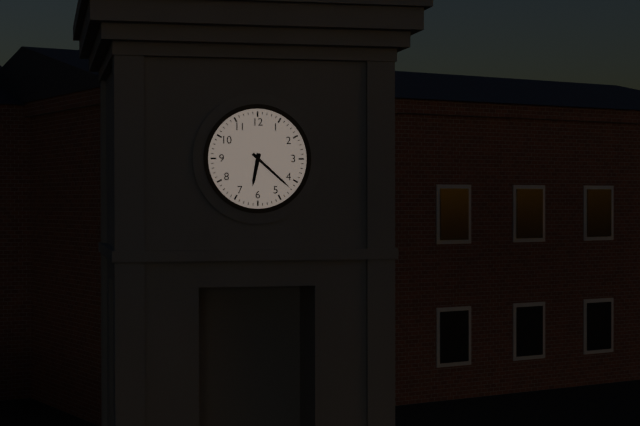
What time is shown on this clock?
6:22
